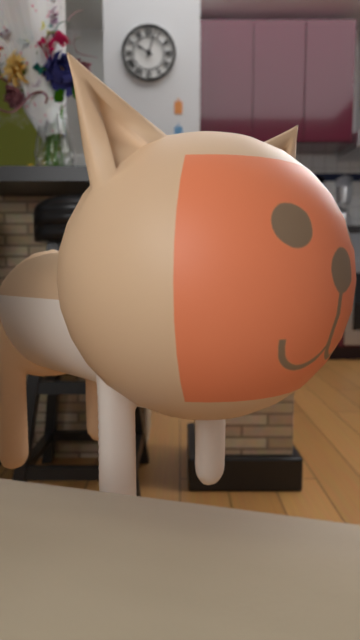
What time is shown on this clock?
10:03
